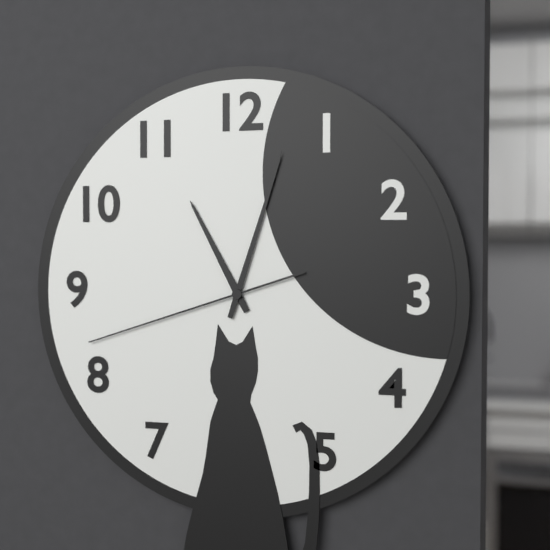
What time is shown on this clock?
11:03:42
